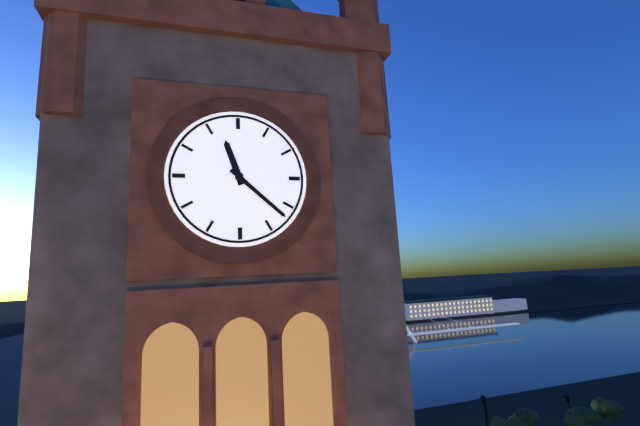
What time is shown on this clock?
11:22
